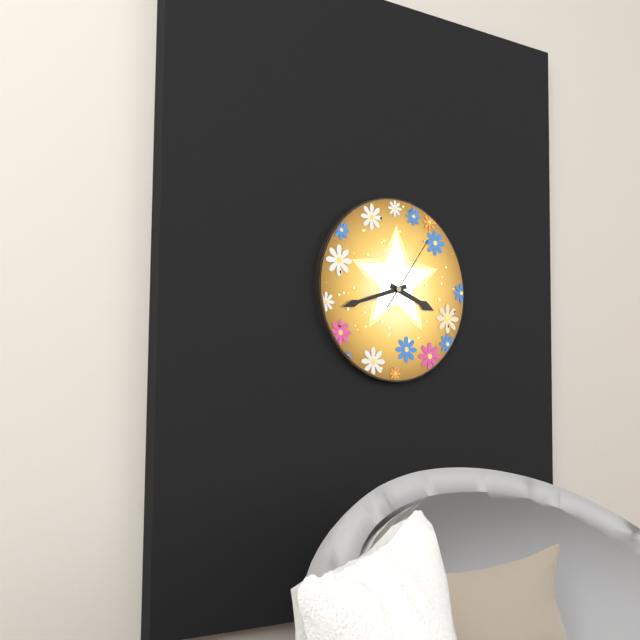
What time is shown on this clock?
3:42:06
